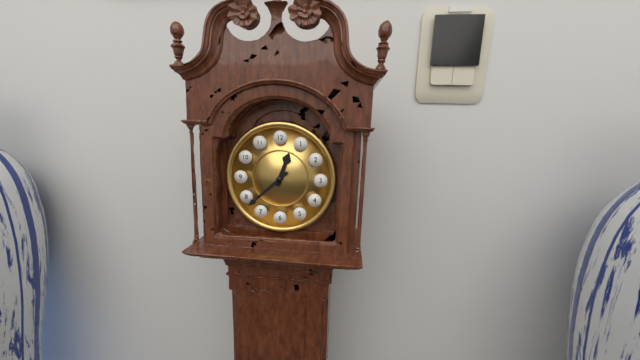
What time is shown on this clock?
12:38
